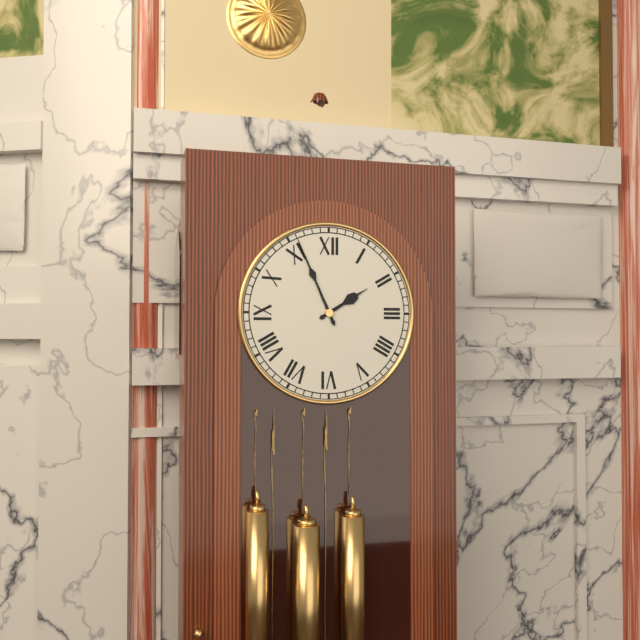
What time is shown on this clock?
1:56
